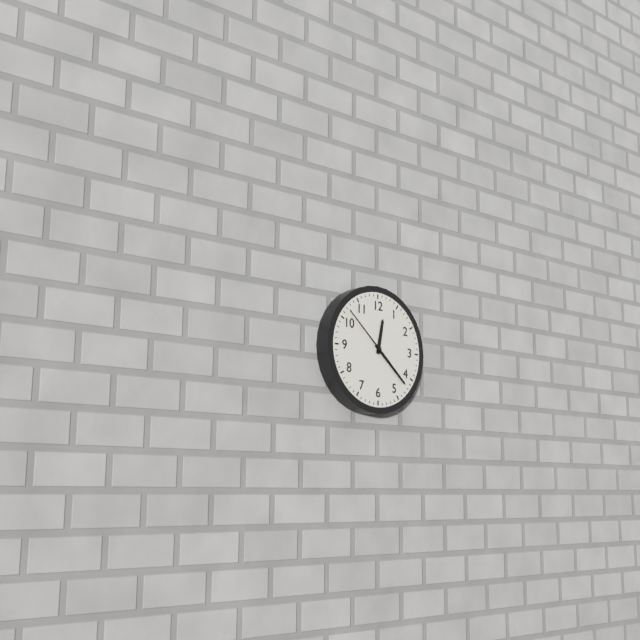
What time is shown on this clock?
12:22:52
